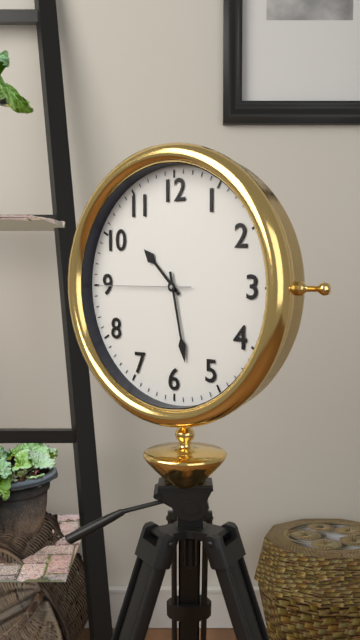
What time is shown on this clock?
10:28:45
